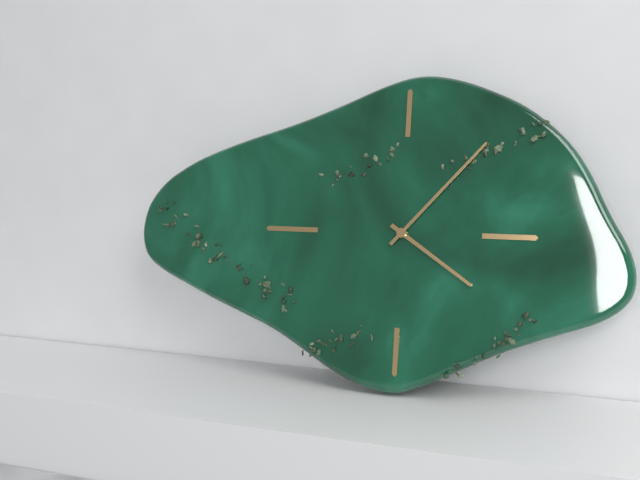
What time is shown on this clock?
4:07
